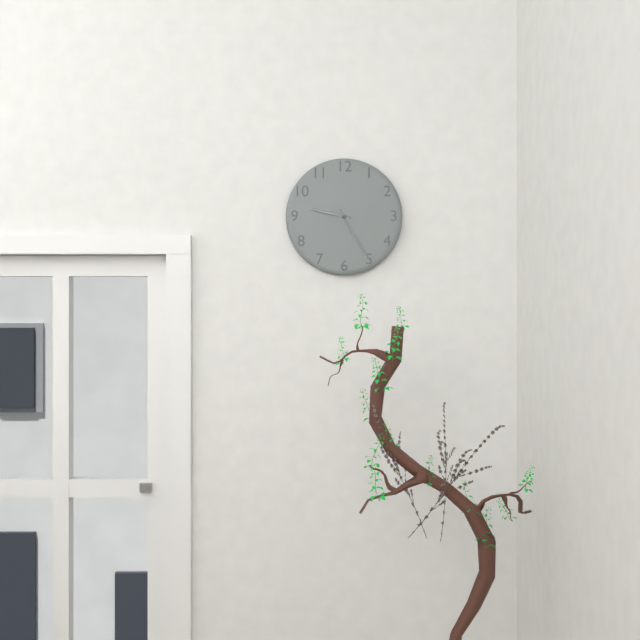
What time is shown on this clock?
9:25
